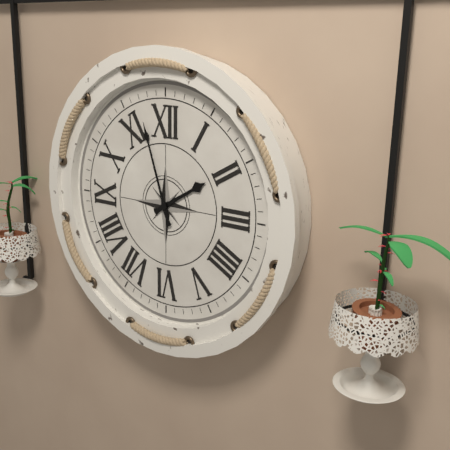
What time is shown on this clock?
1:57
